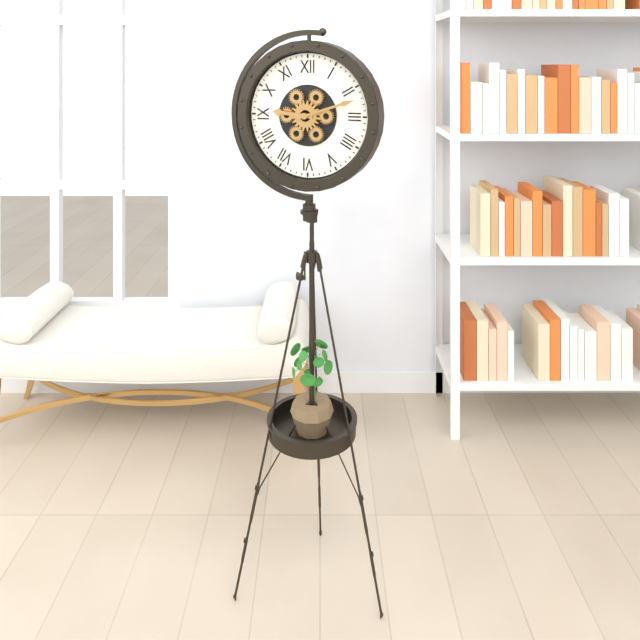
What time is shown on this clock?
9:12
